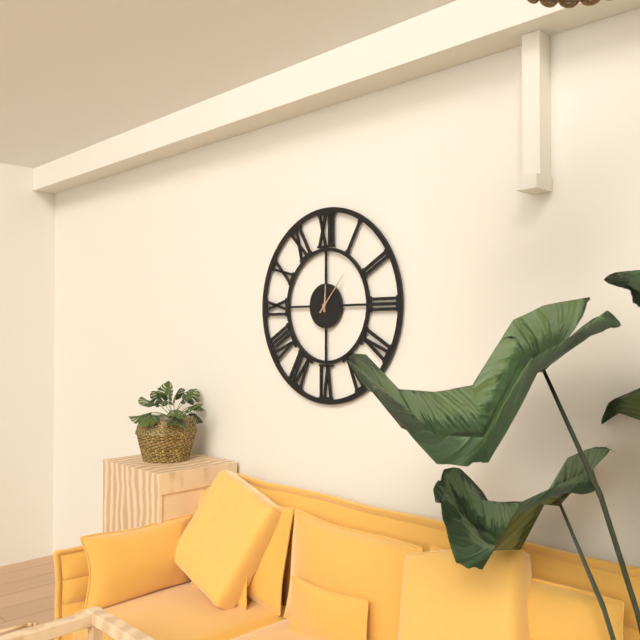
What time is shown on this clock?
12:07
